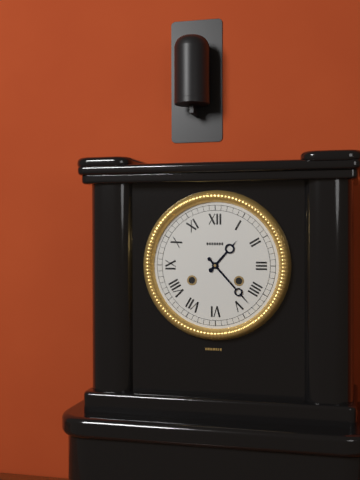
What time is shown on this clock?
1:23
